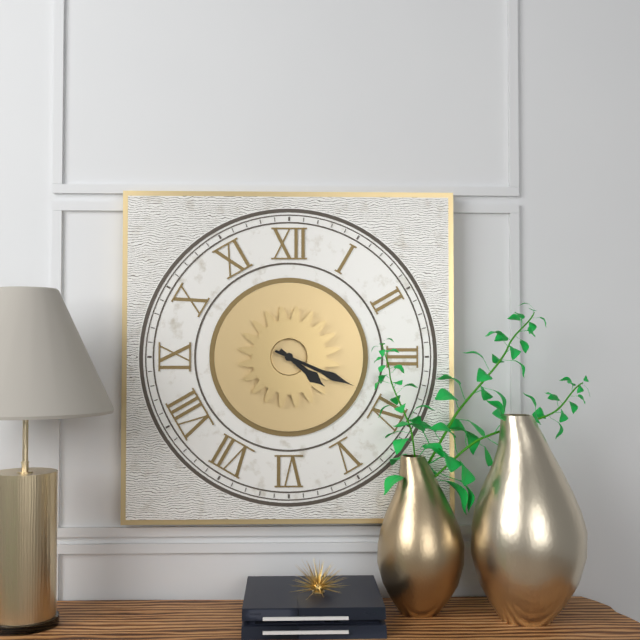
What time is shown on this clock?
4:19
